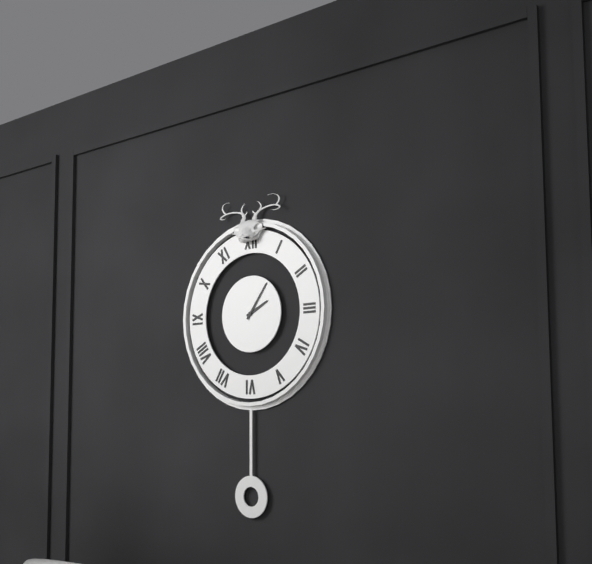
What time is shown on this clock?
2:06
